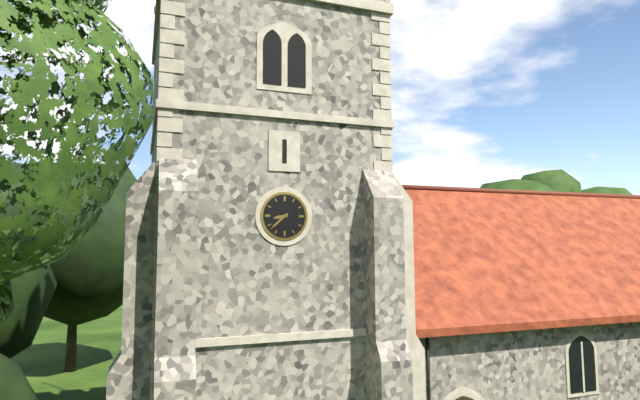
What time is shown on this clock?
8:38
